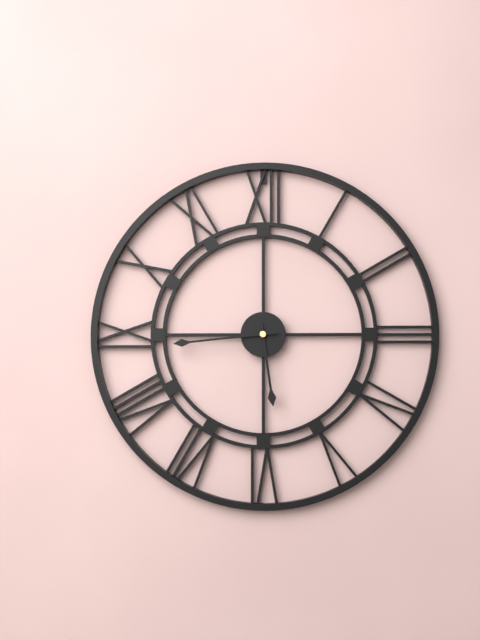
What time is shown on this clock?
5:44
